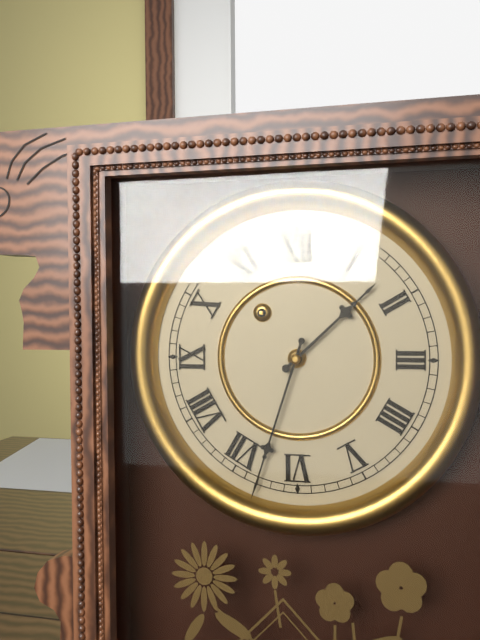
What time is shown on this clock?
1:33
